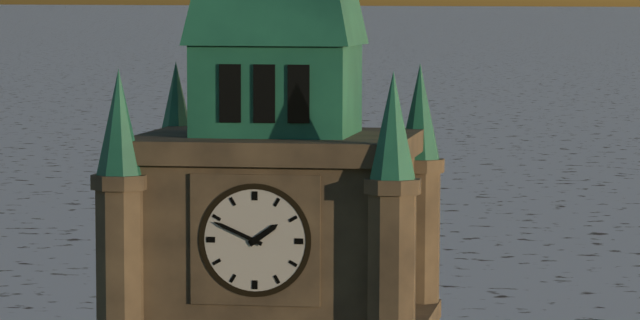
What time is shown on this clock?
1:49
